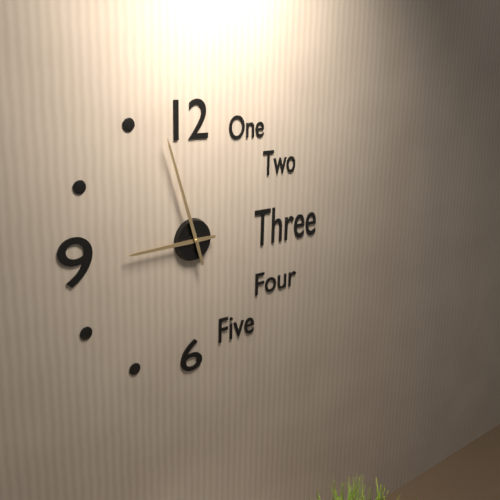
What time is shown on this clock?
8:57
